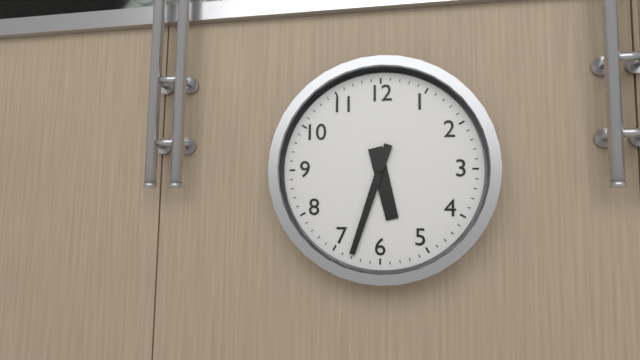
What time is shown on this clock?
5:33
